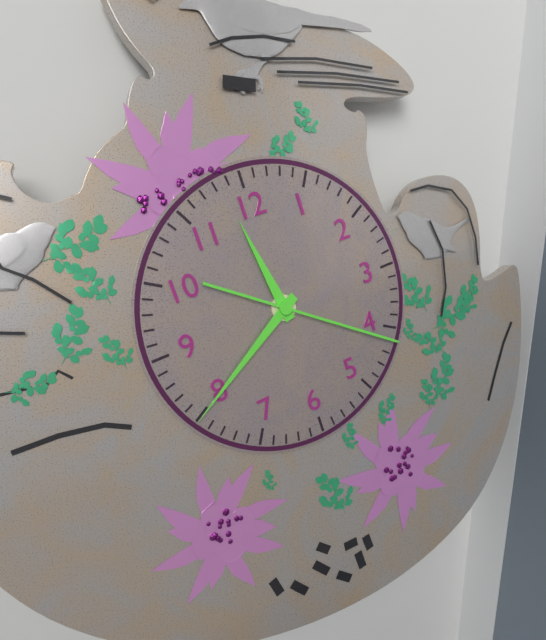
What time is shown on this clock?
11:40:21
